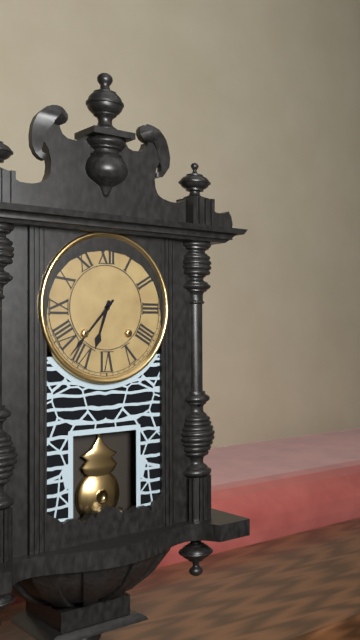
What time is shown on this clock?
6:37
